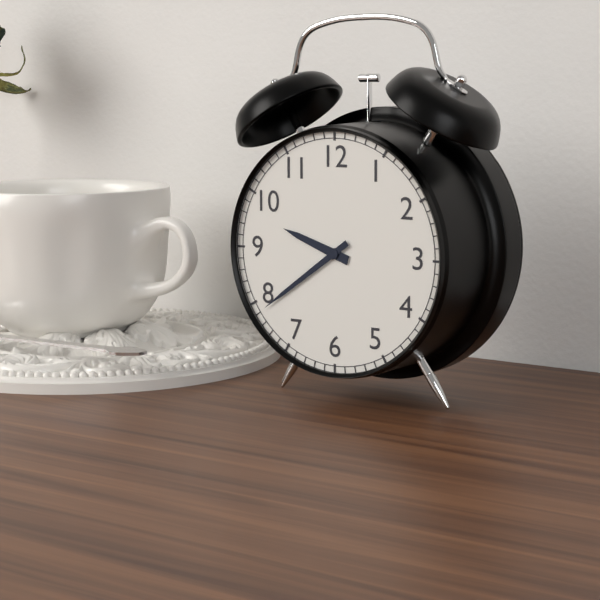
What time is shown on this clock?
9:39
